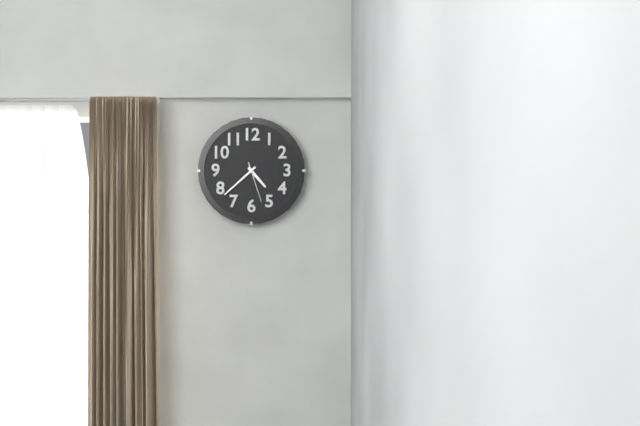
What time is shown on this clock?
4:38
